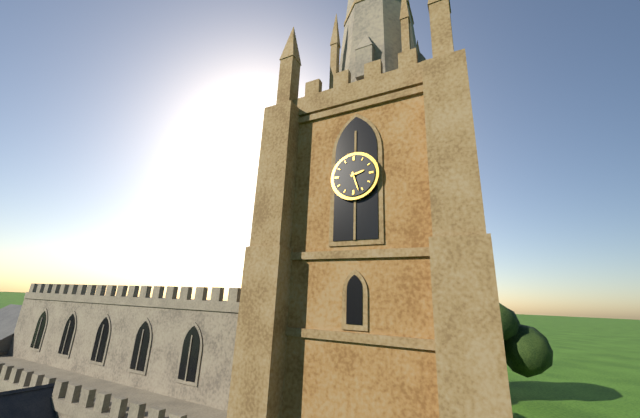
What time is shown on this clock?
2:27
